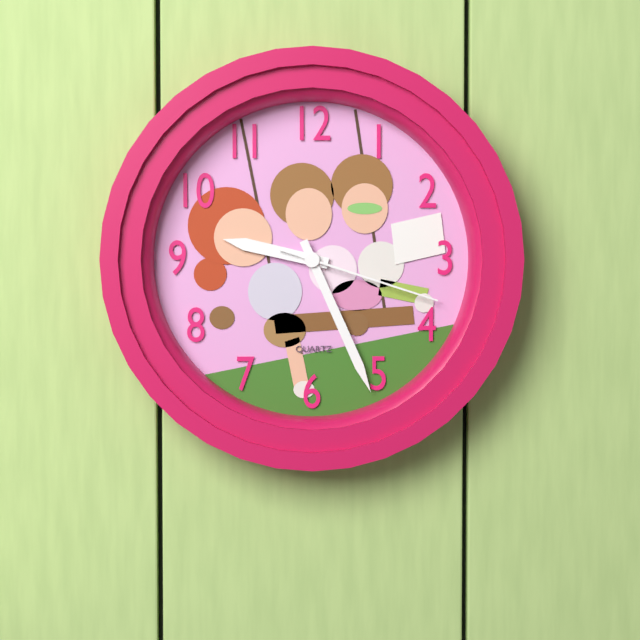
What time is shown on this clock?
9:26:18
